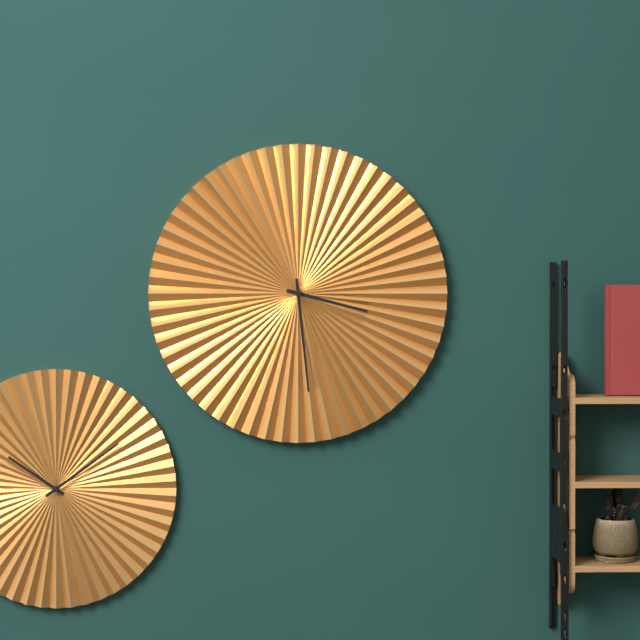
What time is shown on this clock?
3:29
